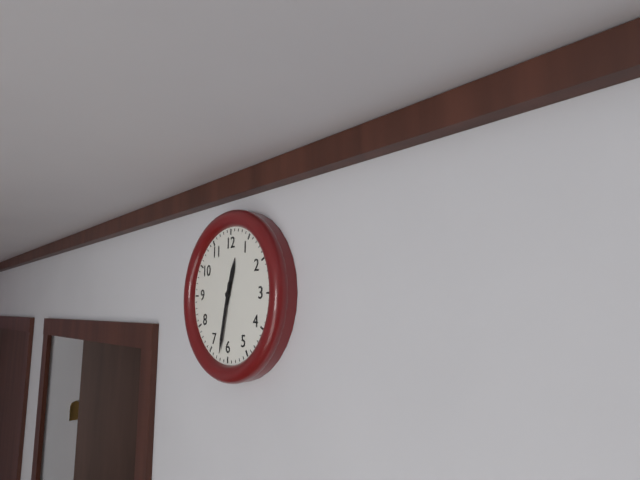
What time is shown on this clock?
12:32
